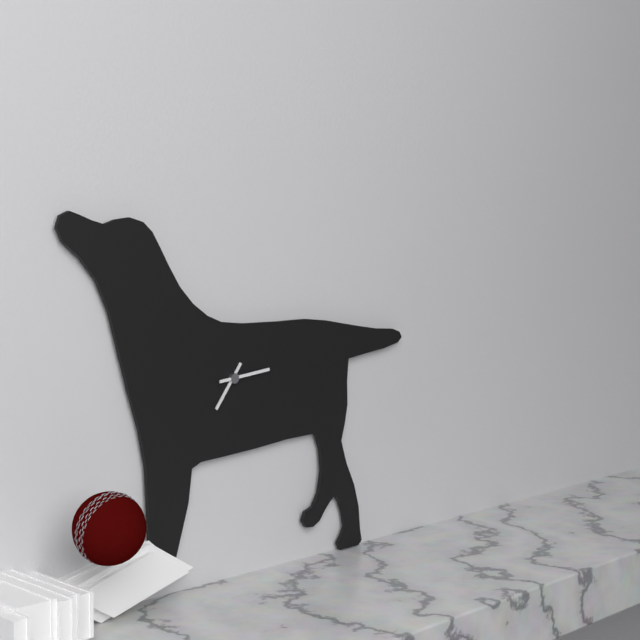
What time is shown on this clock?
7:14
